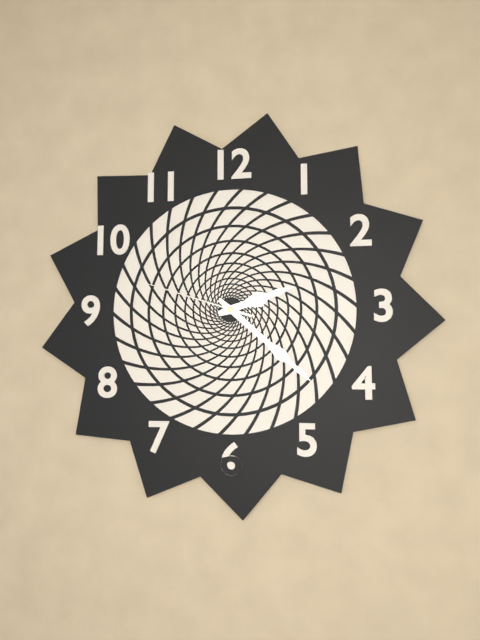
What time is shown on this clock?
2:22:48
